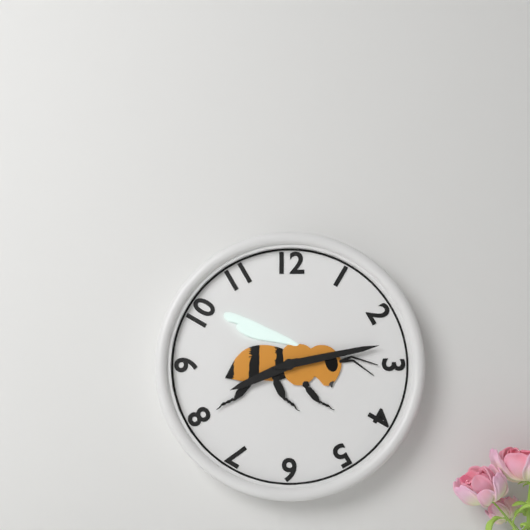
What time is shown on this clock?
8:13
